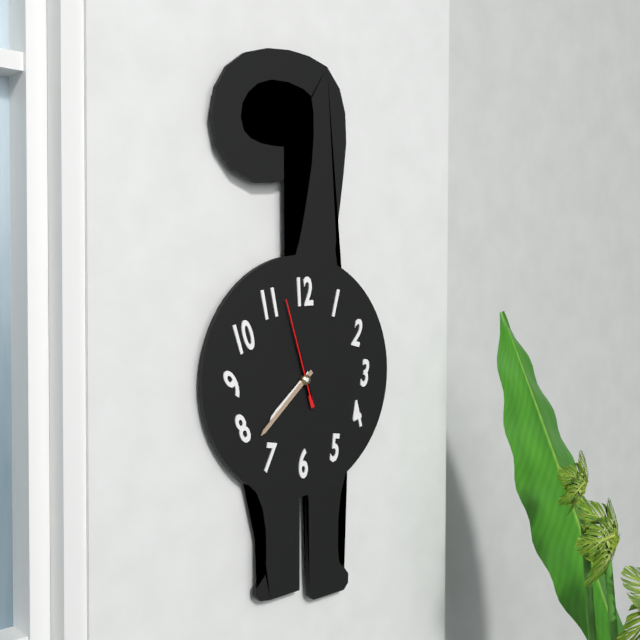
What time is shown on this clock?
7:38:57
